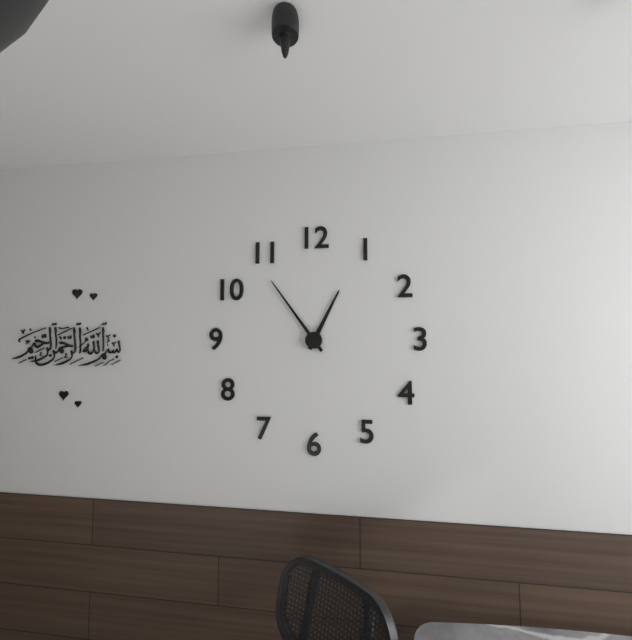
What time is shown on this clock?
12:54
